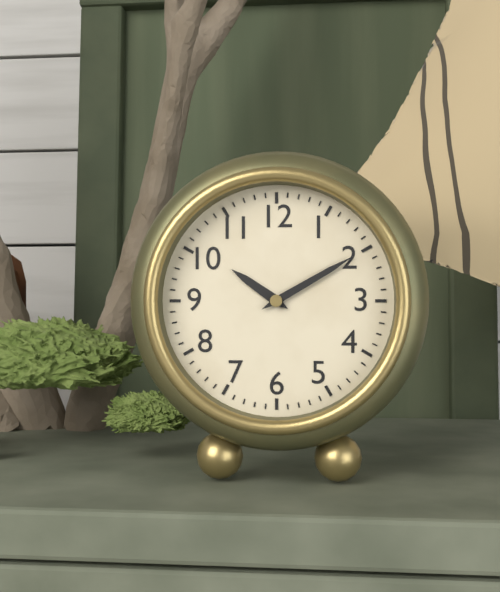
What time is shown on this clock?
10:10
